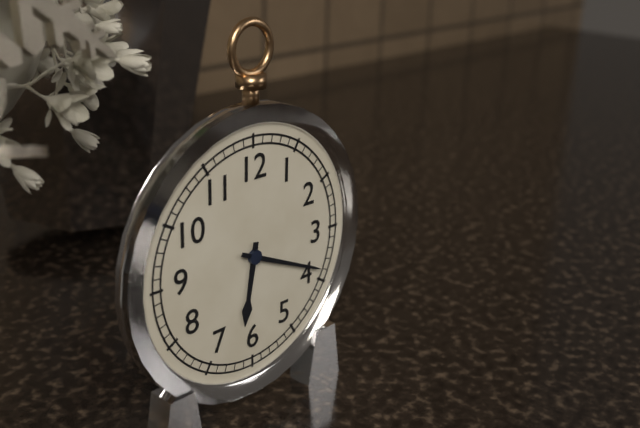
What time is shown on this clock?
6:19
